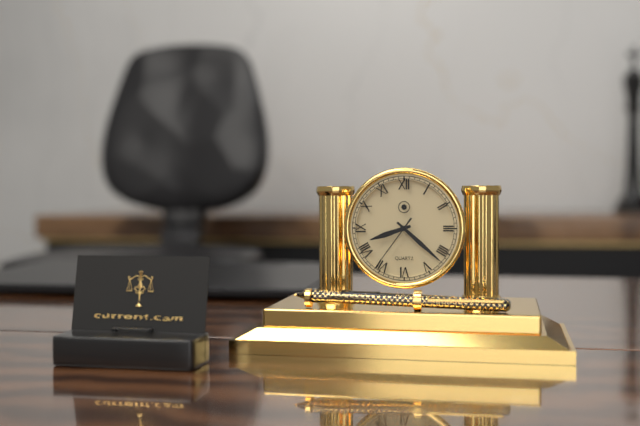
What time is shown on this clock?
8:22:36
